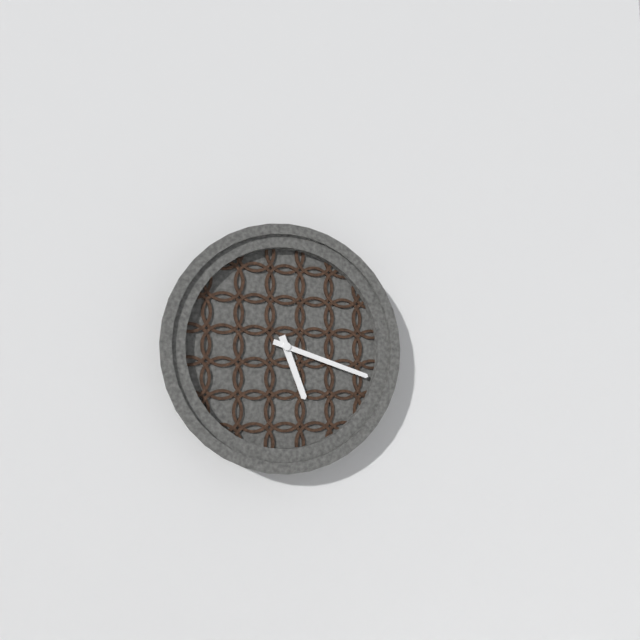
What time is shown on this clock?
5:18
